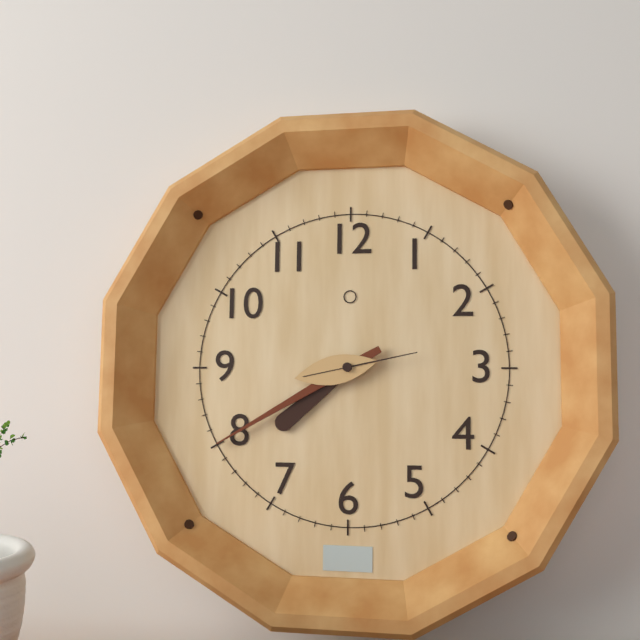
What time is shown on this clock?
7:40:13
